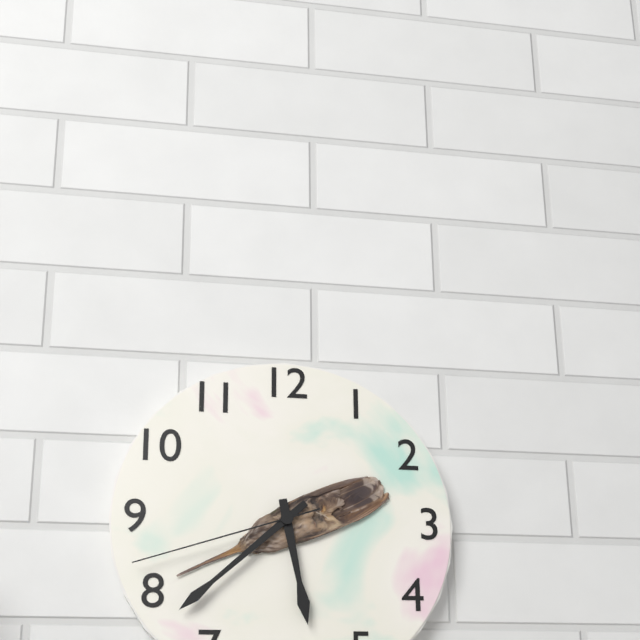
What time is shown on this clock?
5:38:42
